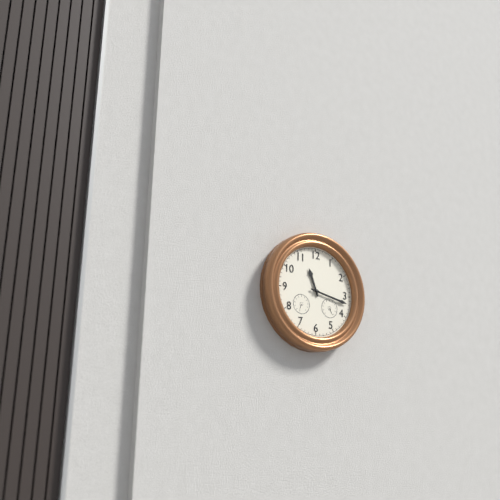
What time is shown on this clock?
11:17
